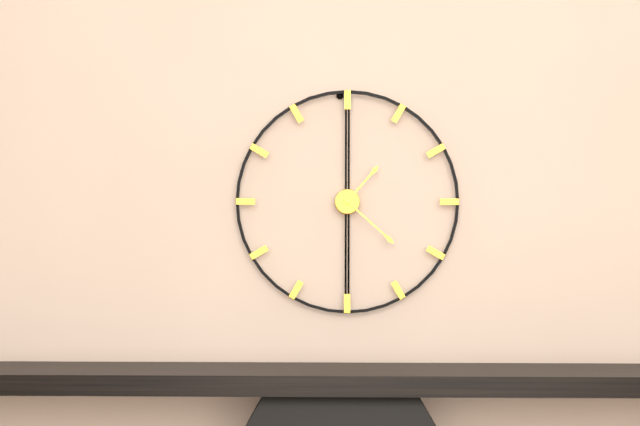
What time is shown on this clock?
1:22
